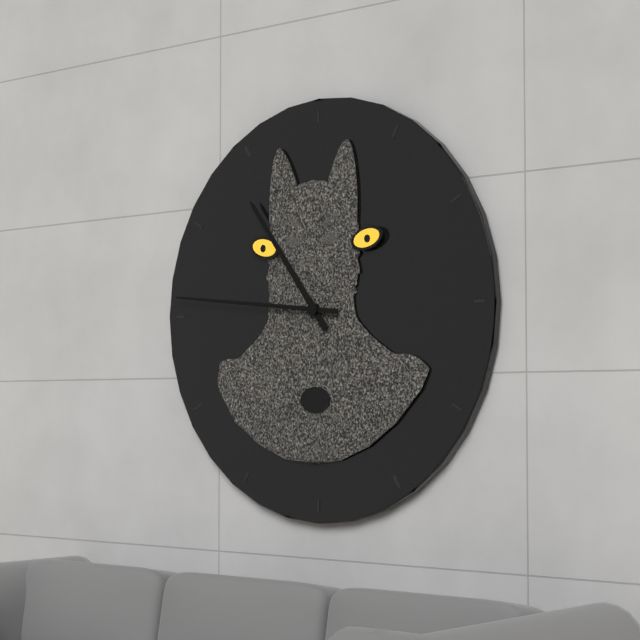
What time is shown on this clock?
10:46
